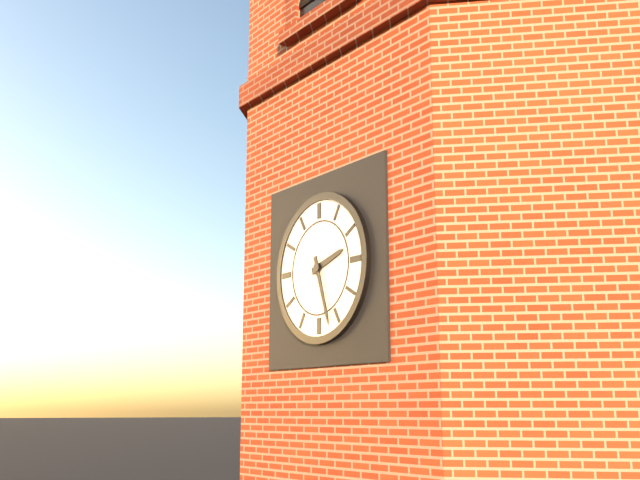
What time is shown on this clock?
2:27
